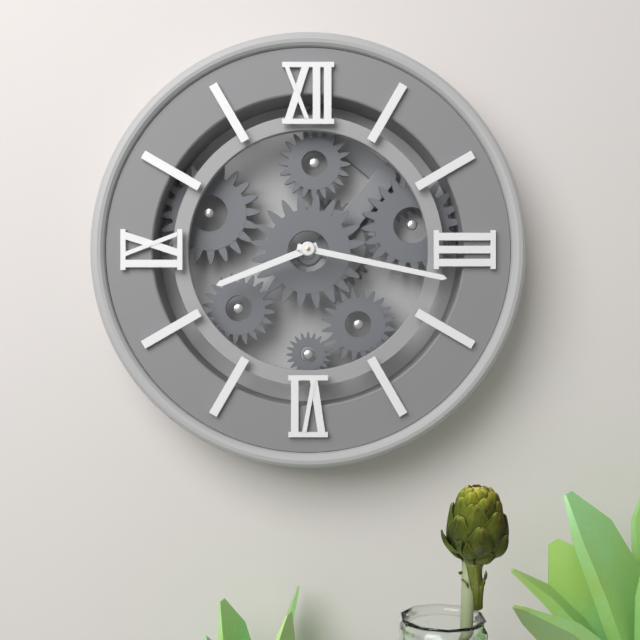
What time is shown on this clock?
8:17
